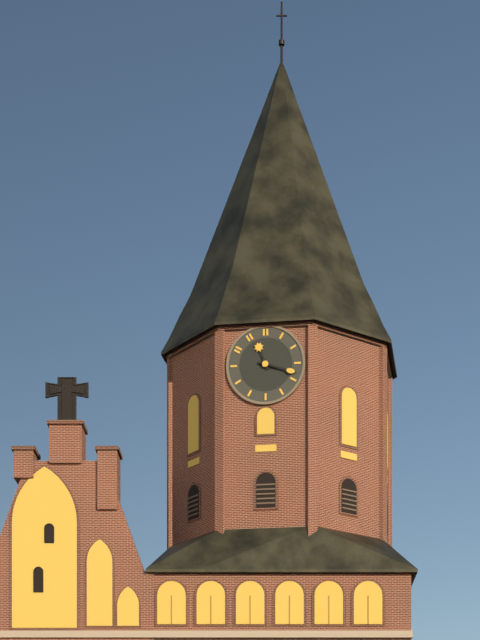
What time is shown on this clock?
11:18
